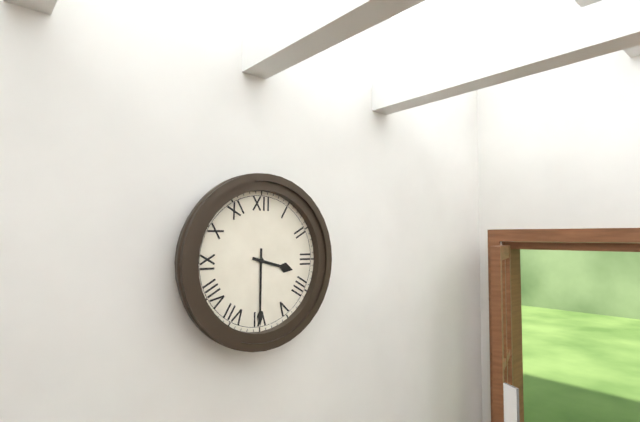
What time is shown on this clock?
3:30
